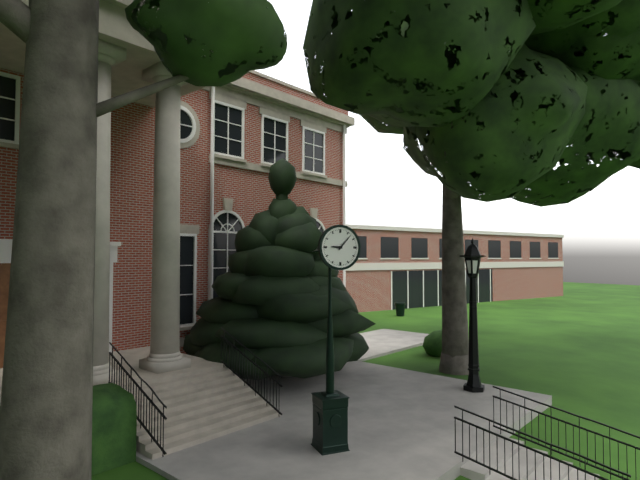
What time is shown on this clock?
9:07
